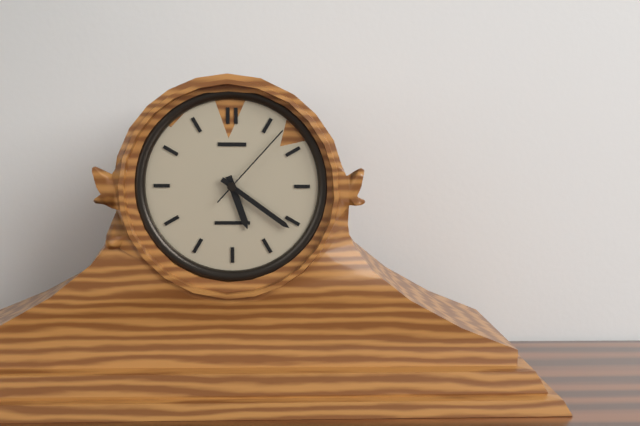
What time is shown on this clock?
5:21:07
